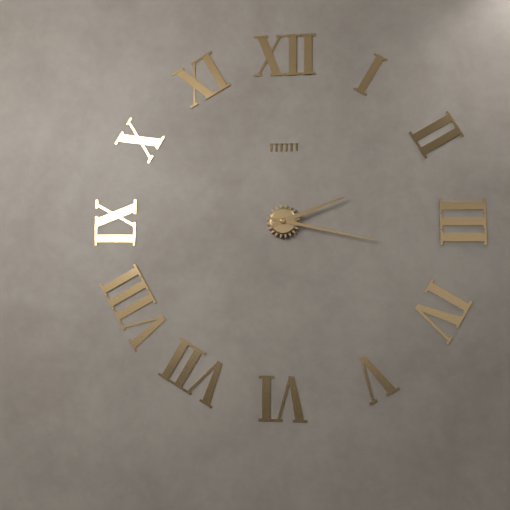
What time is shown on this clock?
2:17
